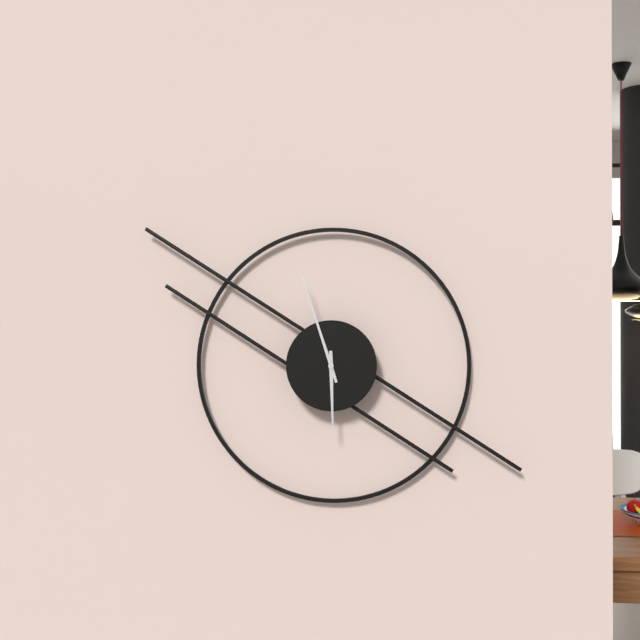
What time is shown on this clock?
5:57
